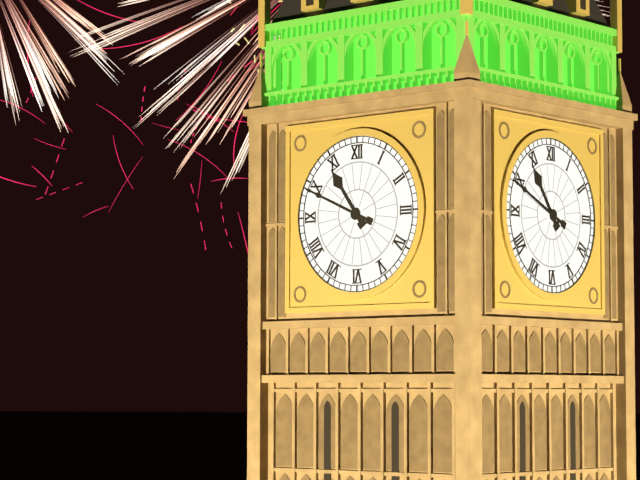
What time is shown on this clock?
10:49
